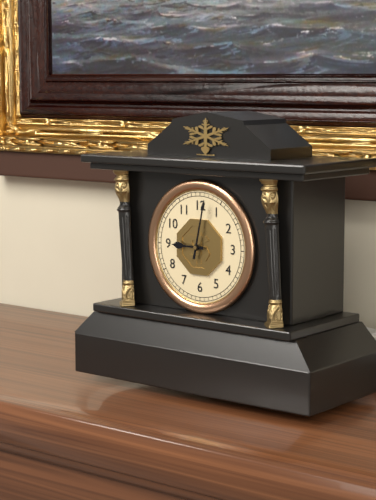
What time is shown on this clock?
9:02
